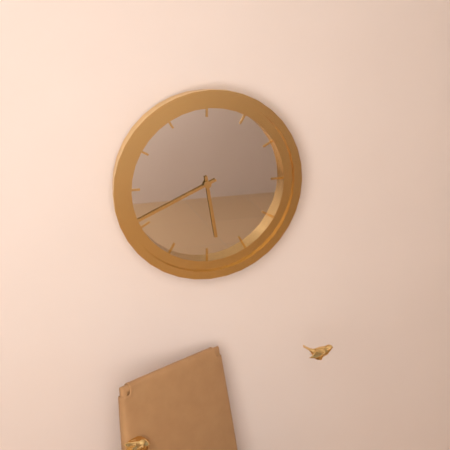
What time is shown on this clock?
5:41
